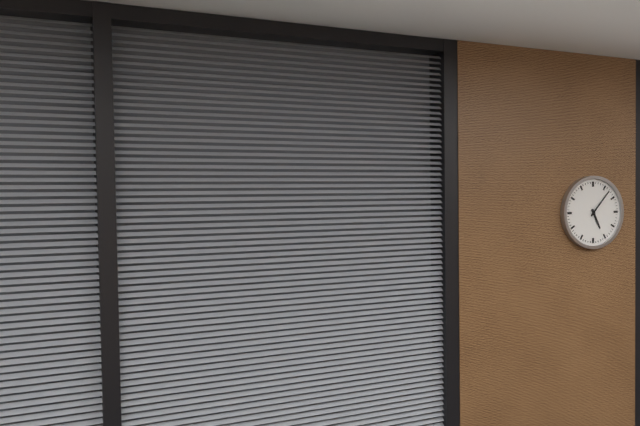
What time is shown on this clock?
5:07
